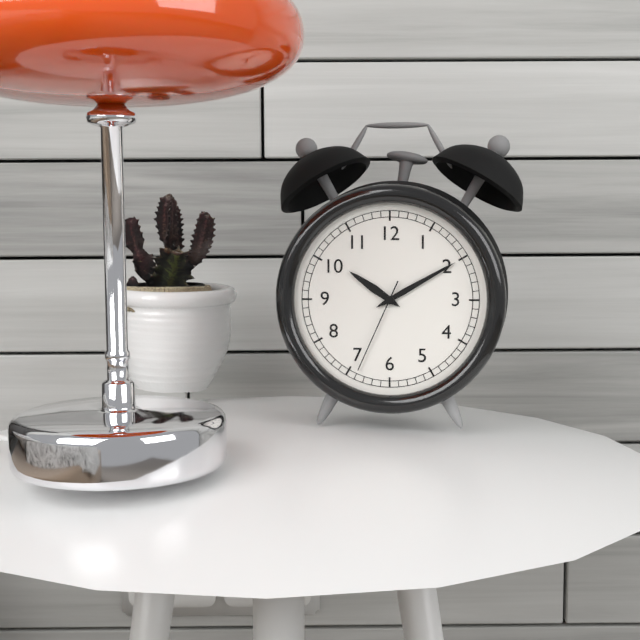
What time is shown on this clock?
10:10:34
